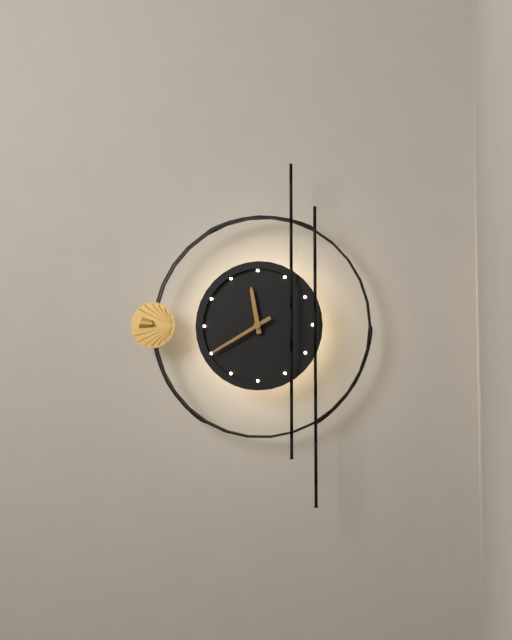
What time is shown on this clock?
11:40
